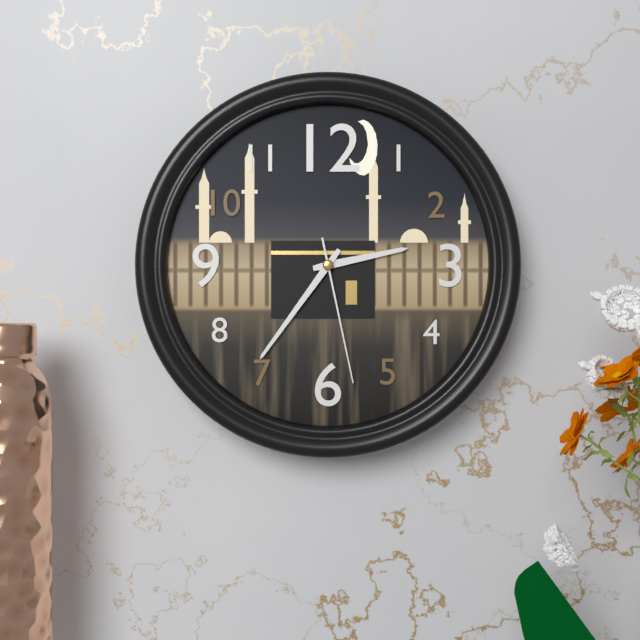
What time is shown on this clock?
2:36:28
